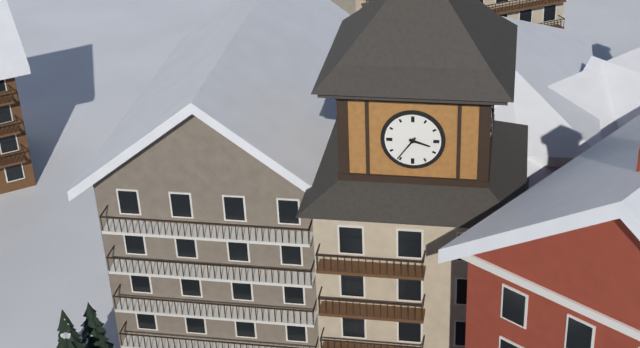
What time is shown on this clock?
3:36
